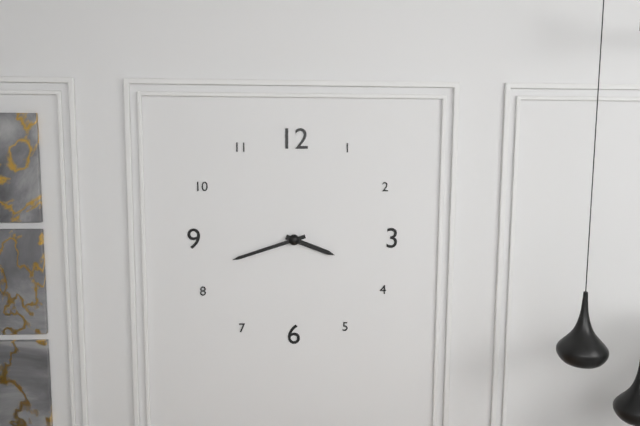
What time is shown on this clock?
3:42
